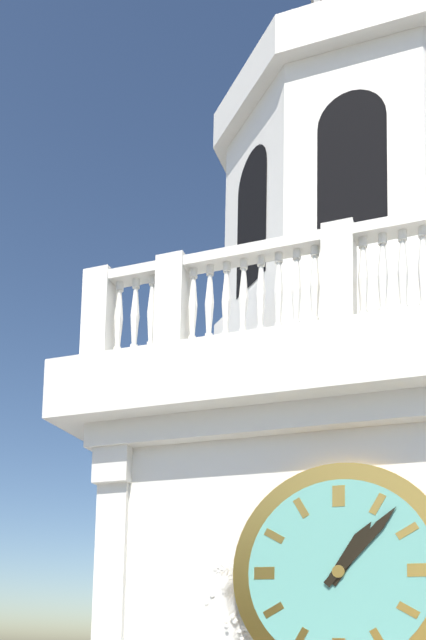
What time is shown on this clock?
1:07
